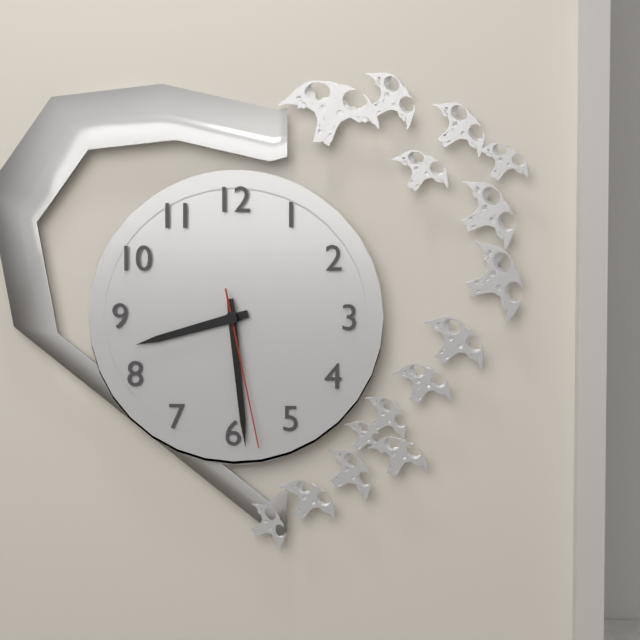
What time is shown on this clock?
8:29:28
